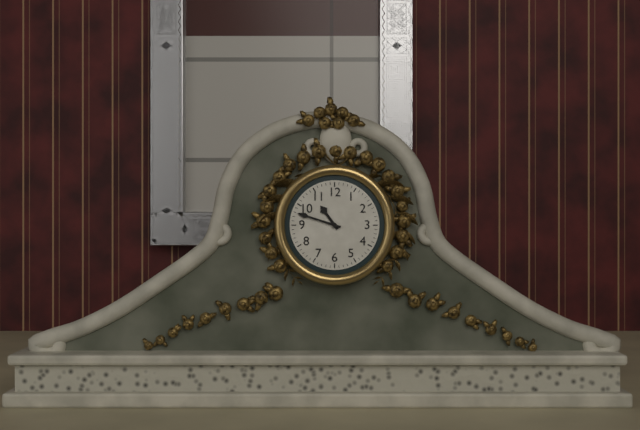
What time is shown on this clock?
10:48
